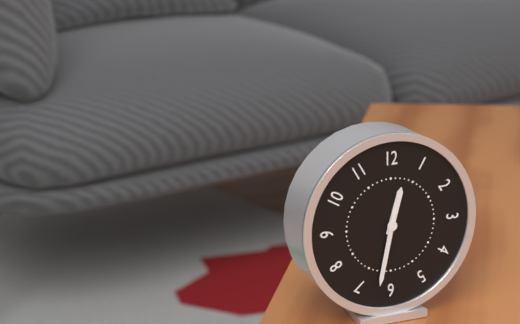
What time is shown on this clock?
12:32
